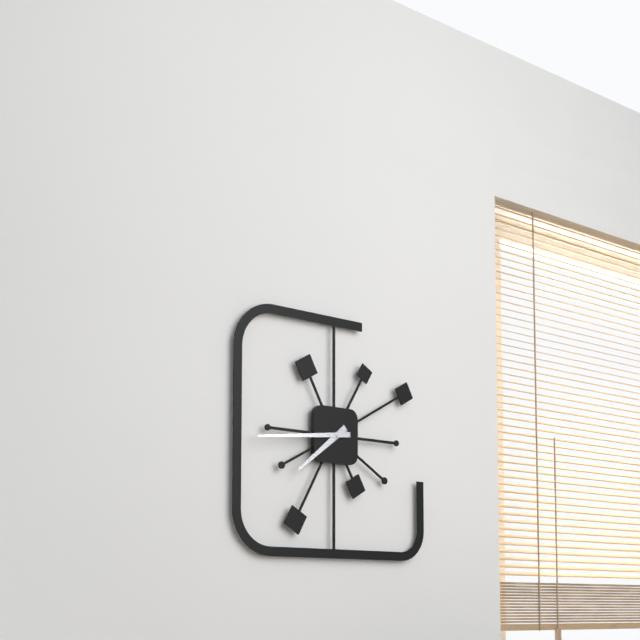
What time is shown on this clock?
7:44
